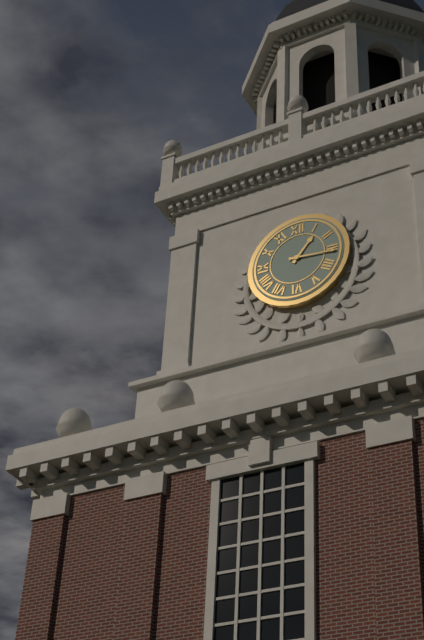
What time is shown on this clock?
1:16
